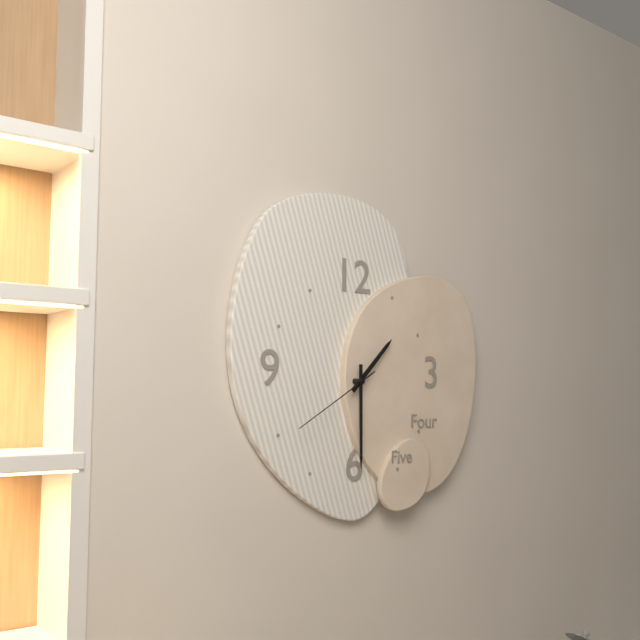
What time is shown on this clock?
1:30:40
